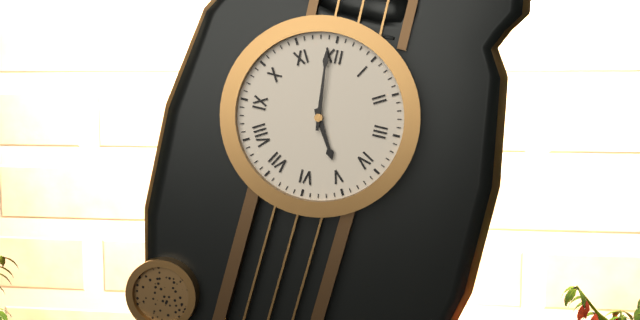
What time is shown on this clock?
4:59
